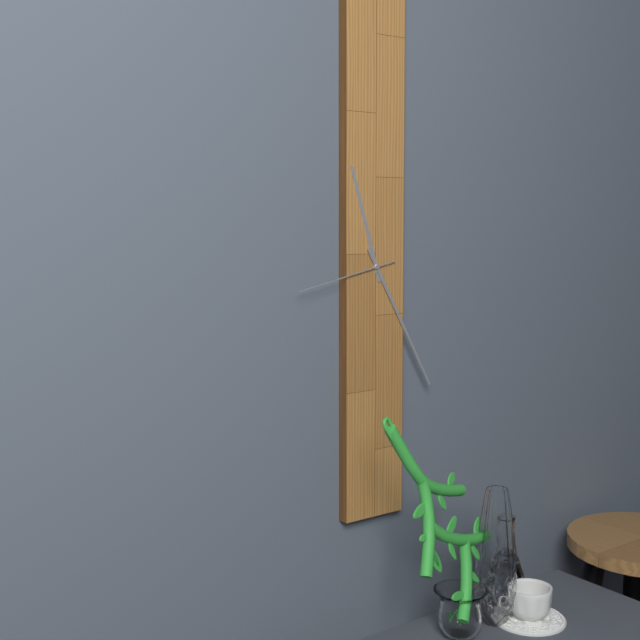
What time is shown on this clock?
11:25:43
